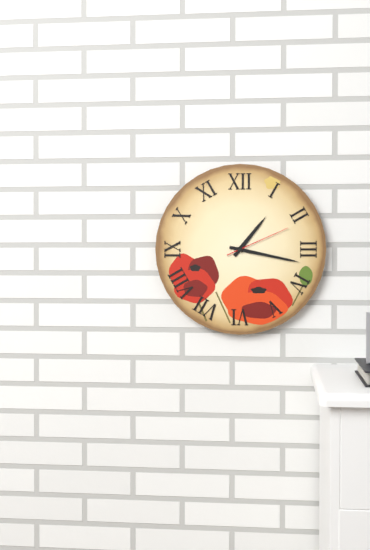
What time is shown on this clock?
1:17:11
